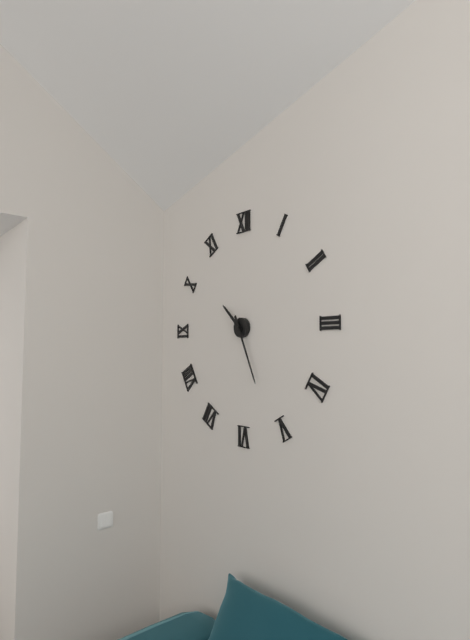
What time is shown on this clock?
10:26
